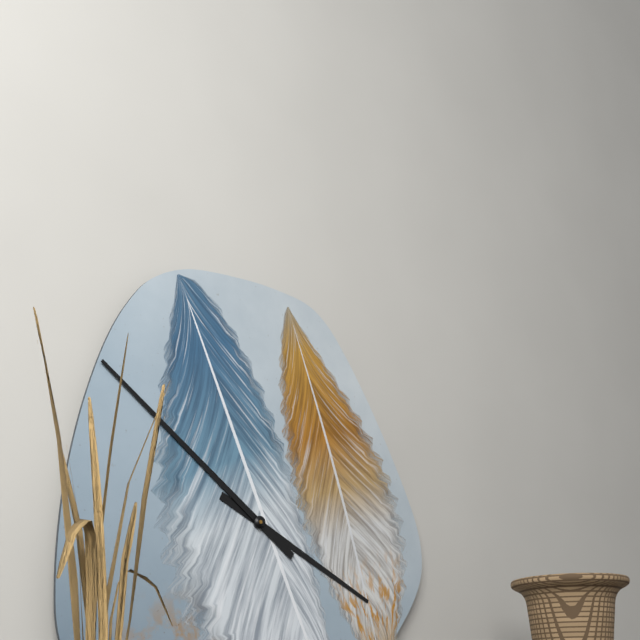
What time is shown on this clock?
3:51
